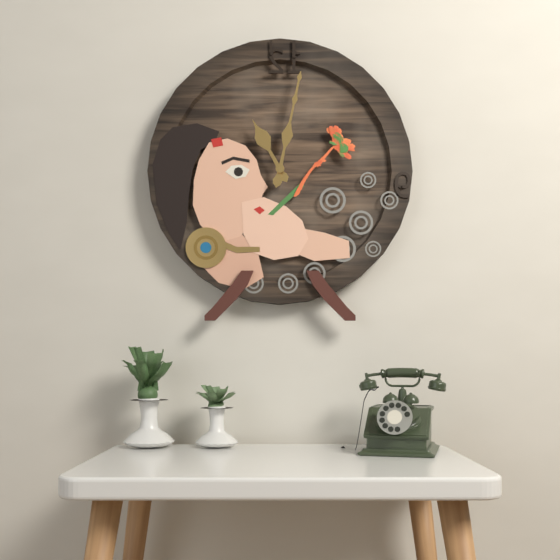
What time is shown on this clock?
11:02
